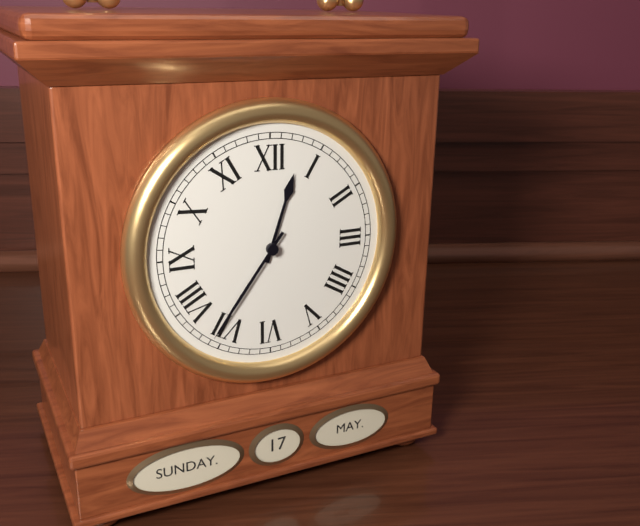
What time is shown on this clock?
12:36
